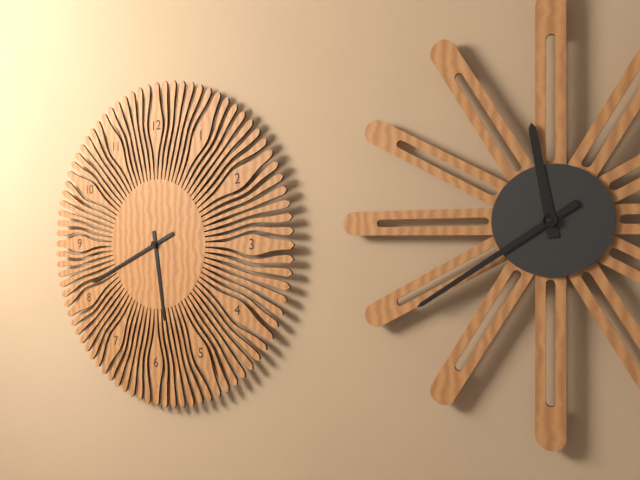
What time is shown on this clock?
5:41
